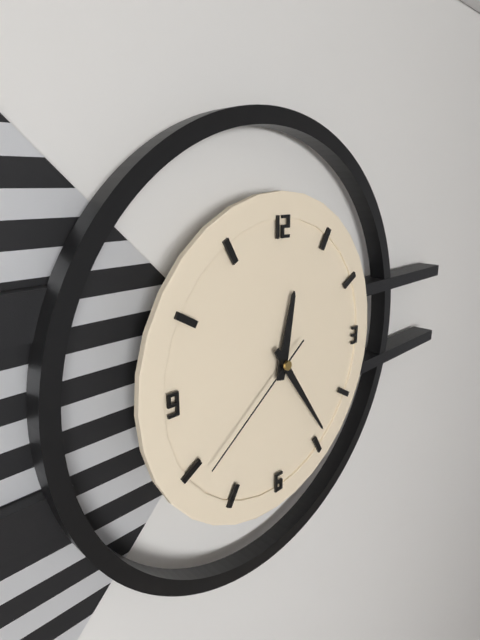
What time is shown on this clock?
12:24:39
